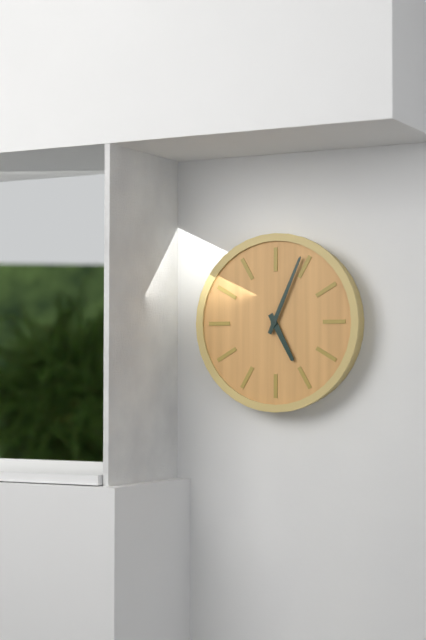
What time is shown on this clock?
5:04
